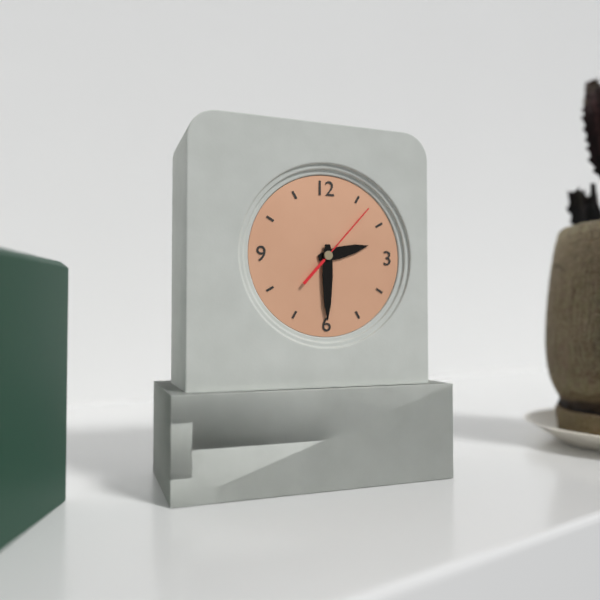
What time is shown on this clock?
2:30:07
